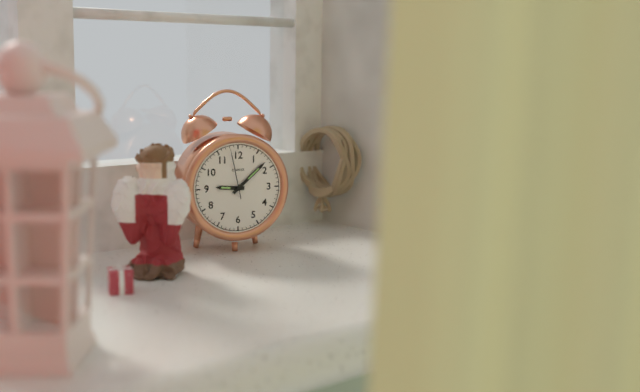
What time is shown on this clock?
9:08
